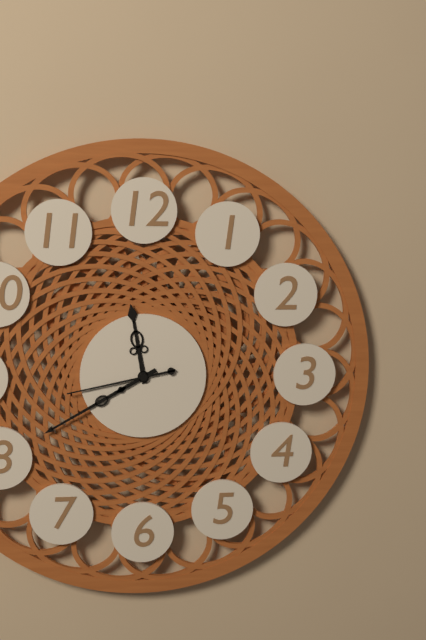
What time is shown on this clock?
11:40:43
